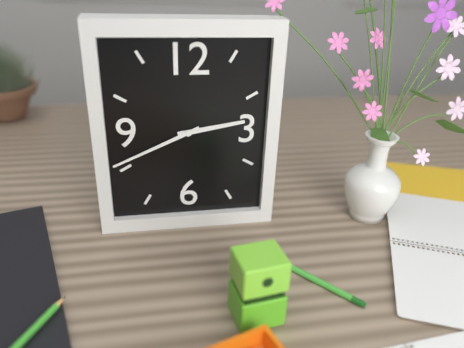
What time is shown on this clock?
2:41
